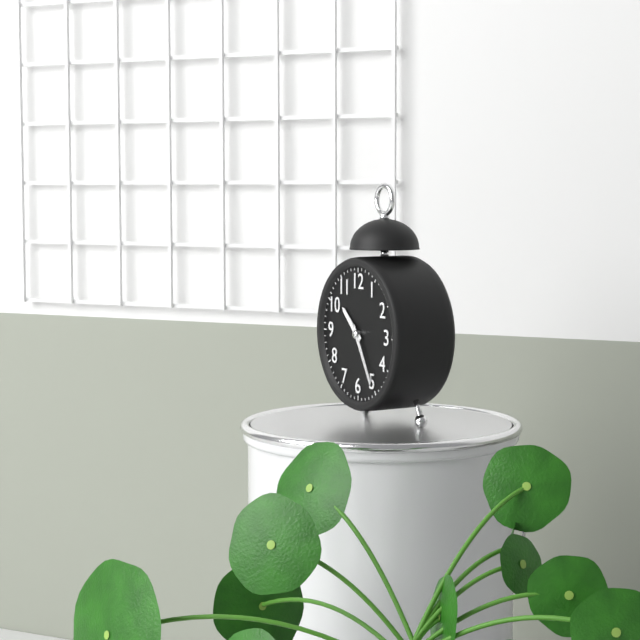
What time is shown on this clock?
10:25:25
